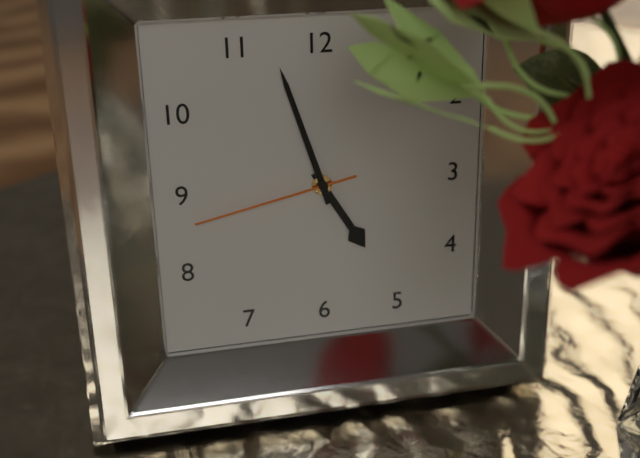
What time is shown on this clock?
4:57:43
